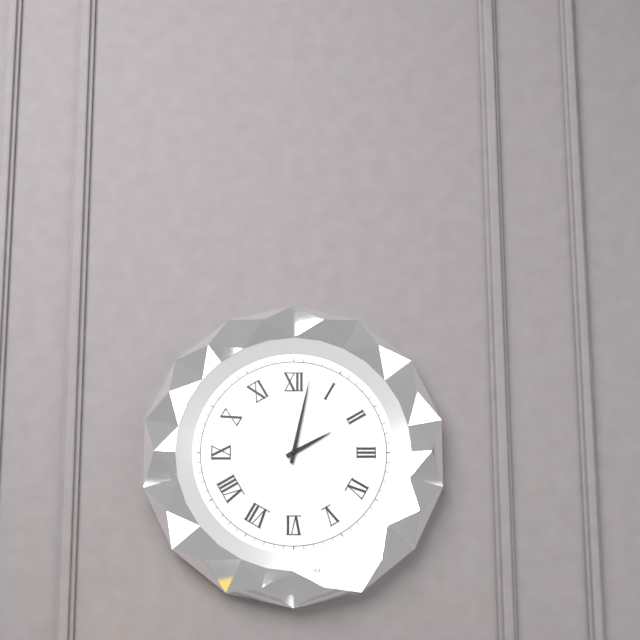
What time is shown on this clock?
2:02
